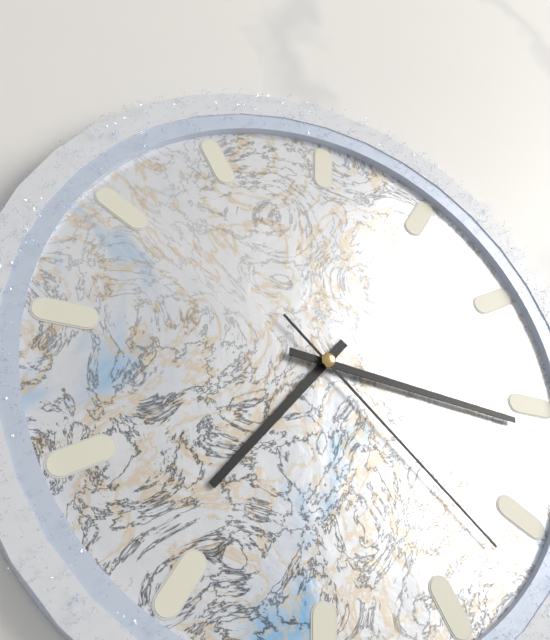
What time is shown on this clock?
7:16:22
